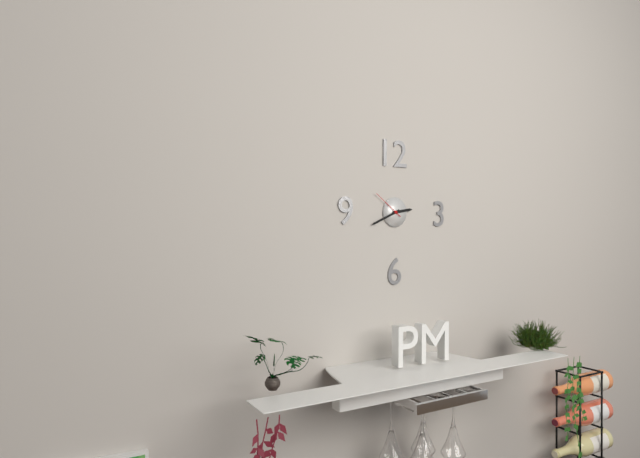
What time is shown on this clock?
2:41
